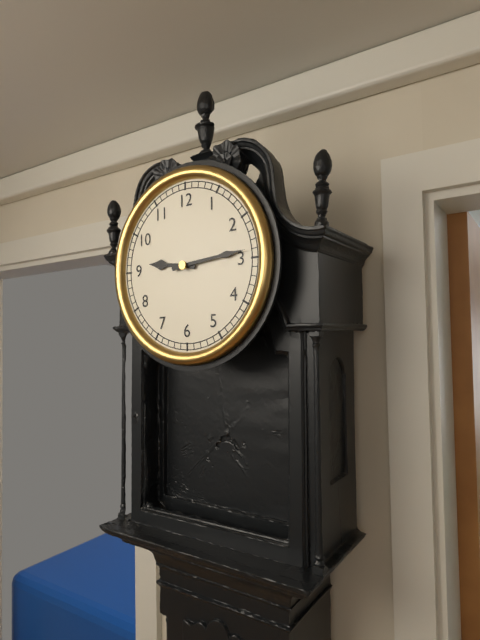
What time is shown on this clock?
9:14
